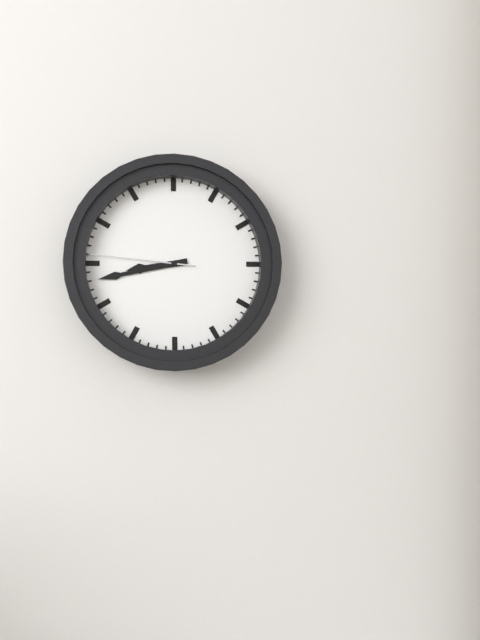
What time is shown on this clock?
8:43:46
